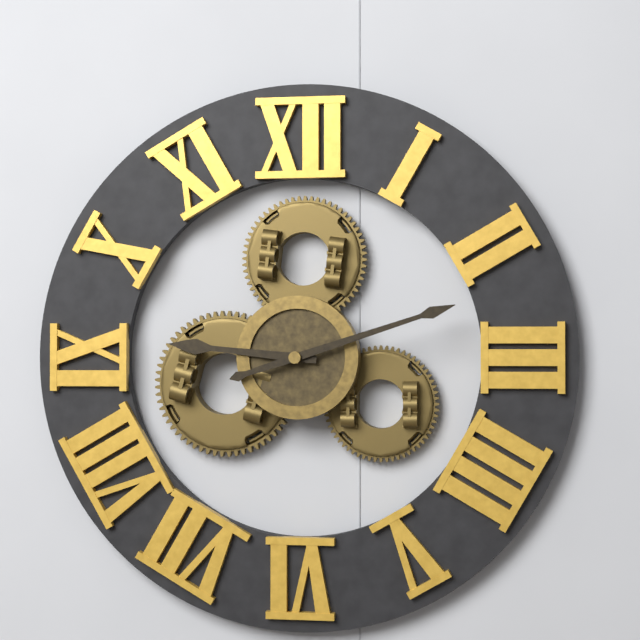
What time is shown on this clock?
9:12
